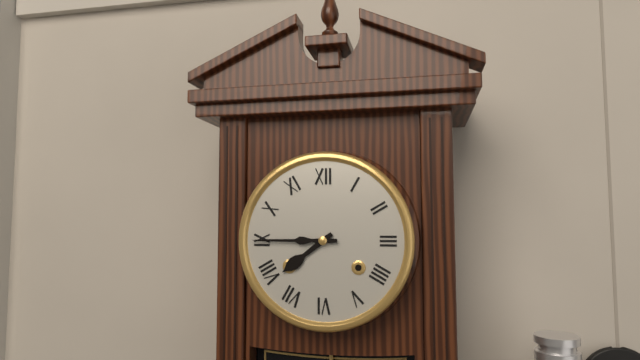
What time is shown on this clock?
7:45
